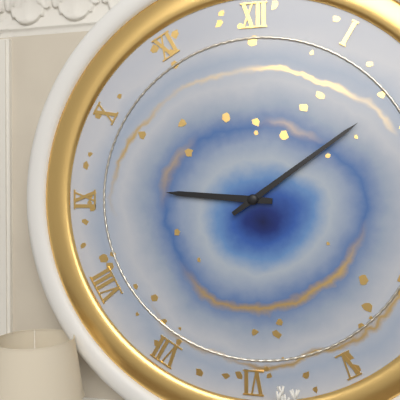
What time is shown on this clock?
9:09
